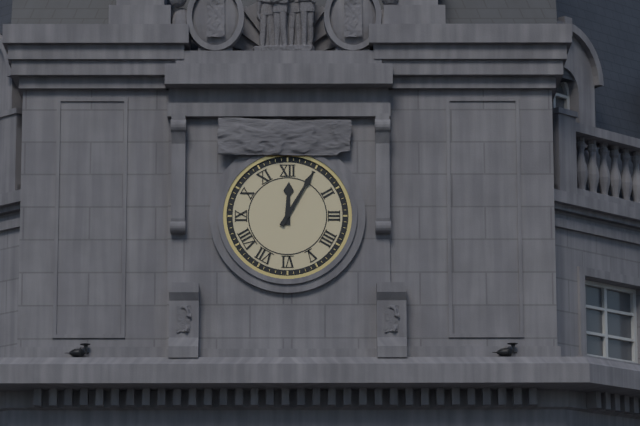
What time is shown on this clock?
12:05
